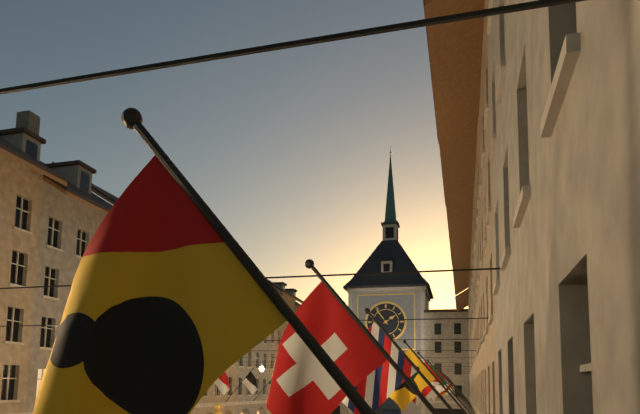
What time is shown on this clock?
1:54
